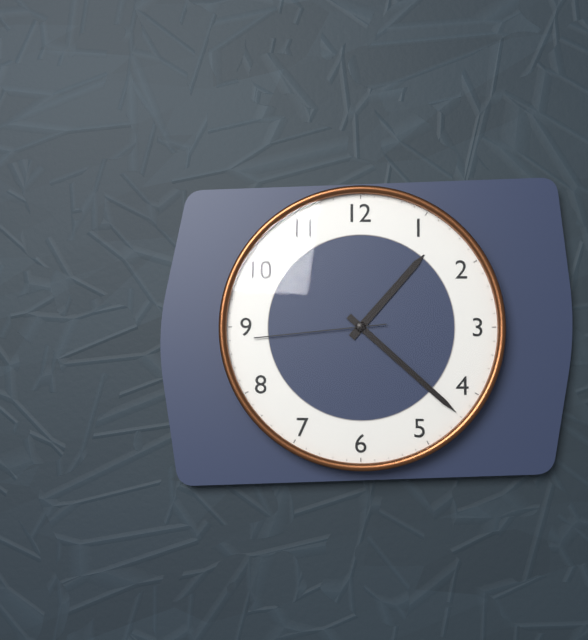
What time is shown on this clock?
1:22:44
